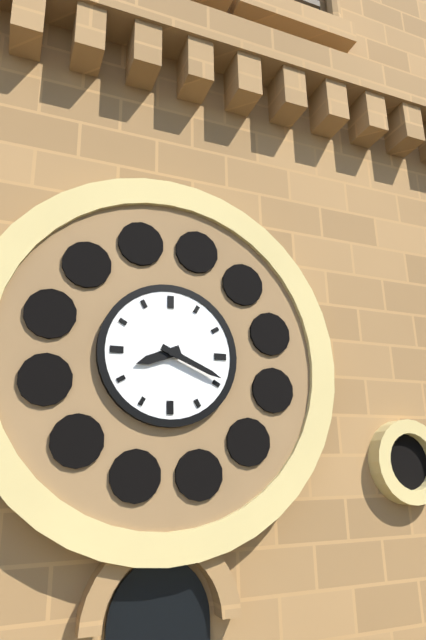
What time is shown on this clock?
8:19
